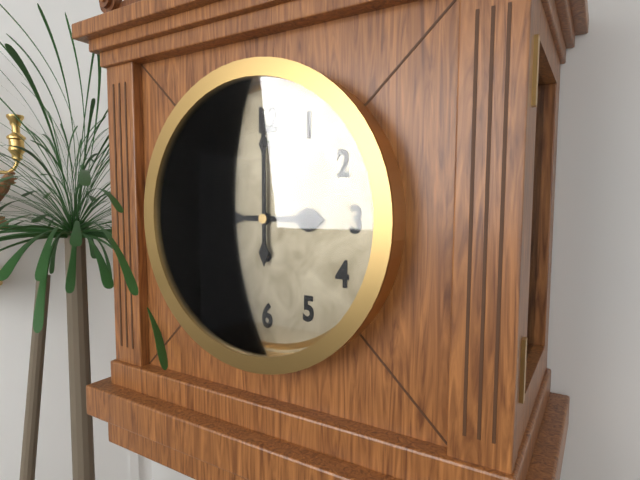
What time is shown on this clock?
3:00
